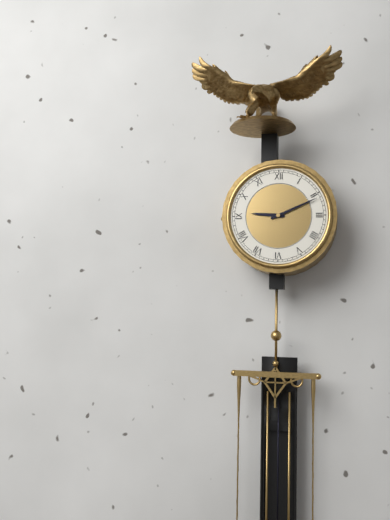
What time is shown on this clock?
9:11
